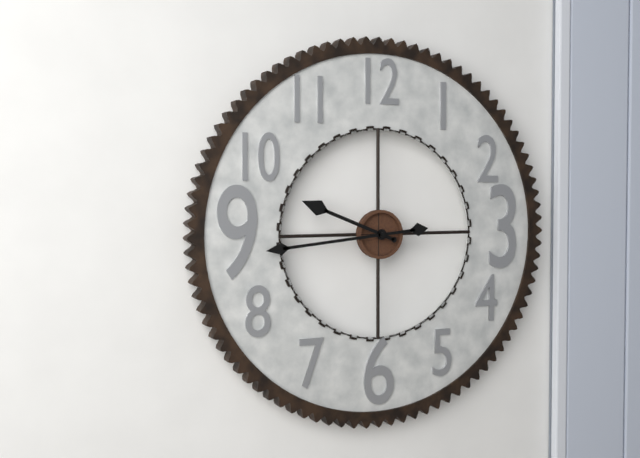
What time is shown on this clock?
9:44
